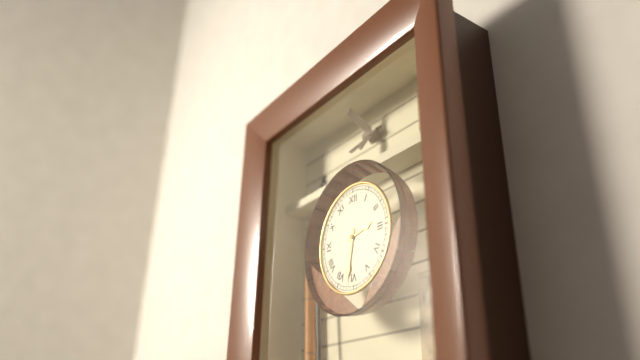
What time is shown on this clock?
2:32
